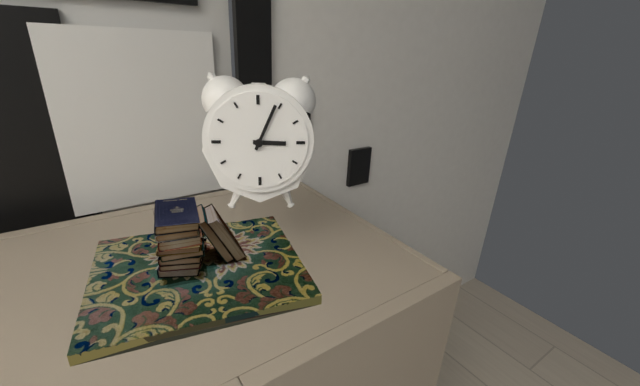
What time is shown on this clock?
3:04
